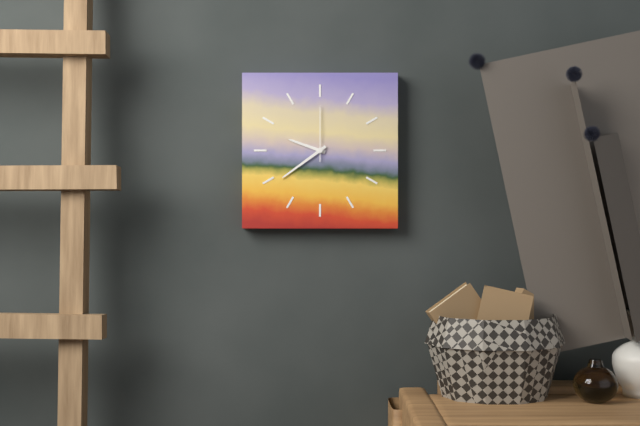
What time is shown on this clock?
9:39:00
